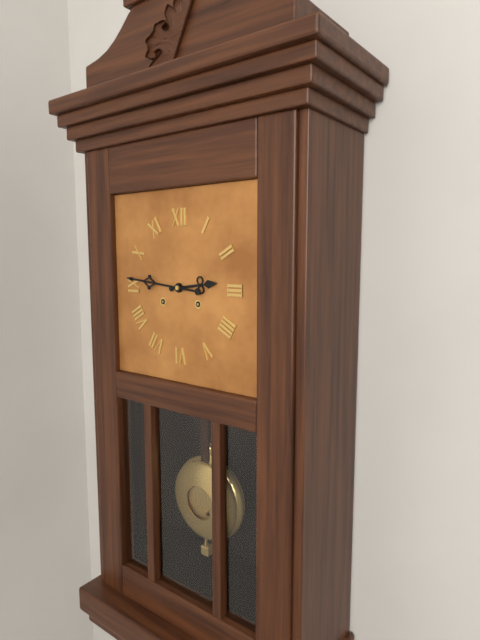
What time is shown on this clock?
2:46
